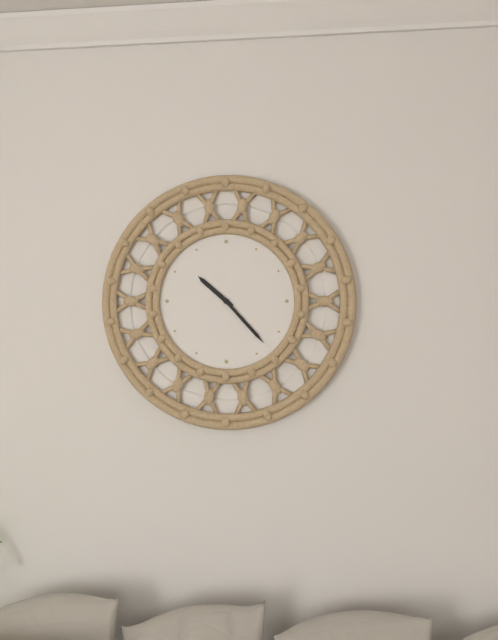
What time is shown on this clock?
10:23
